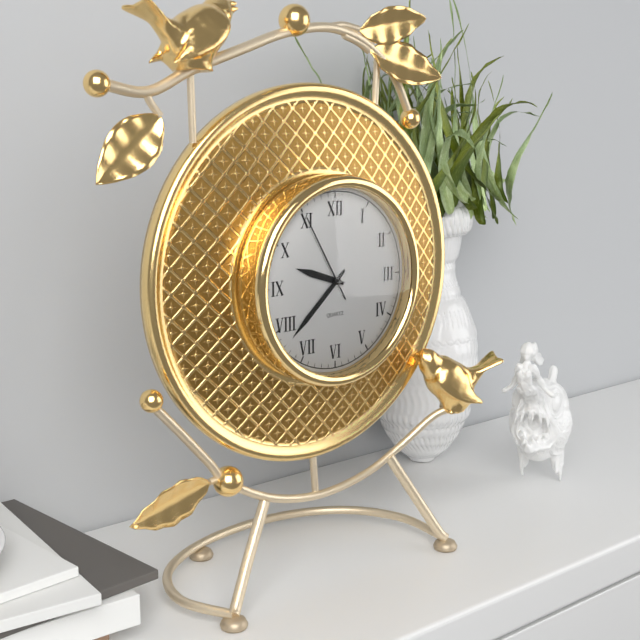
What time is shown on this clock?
9:38:55
